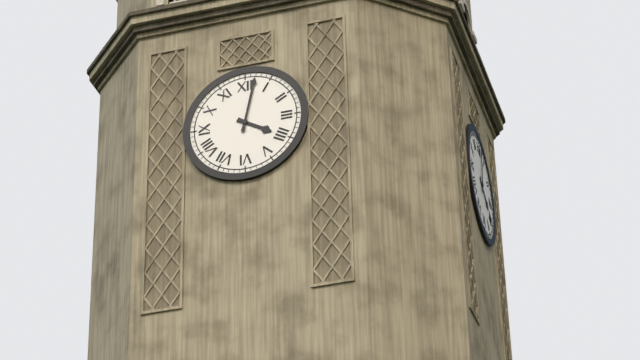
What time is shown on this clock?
4:02
